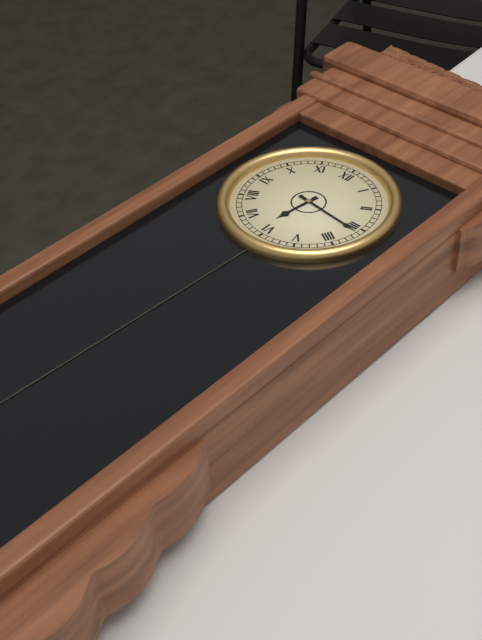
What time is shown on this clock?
6:16
